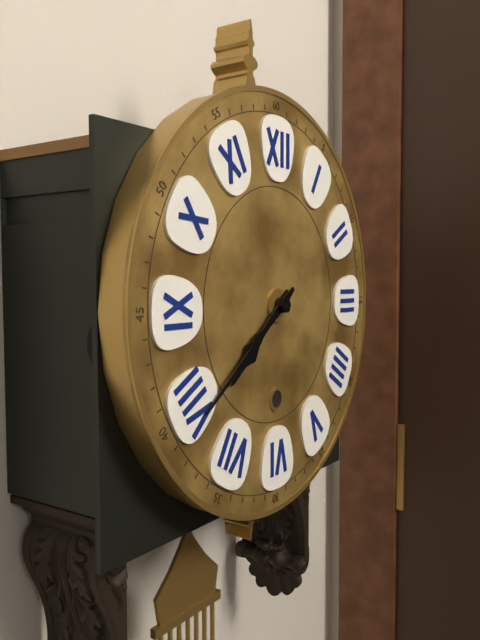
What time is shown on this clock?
7:39
